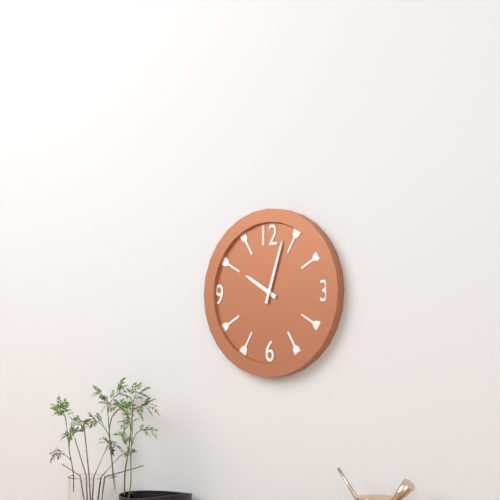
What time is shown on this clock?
10:03
